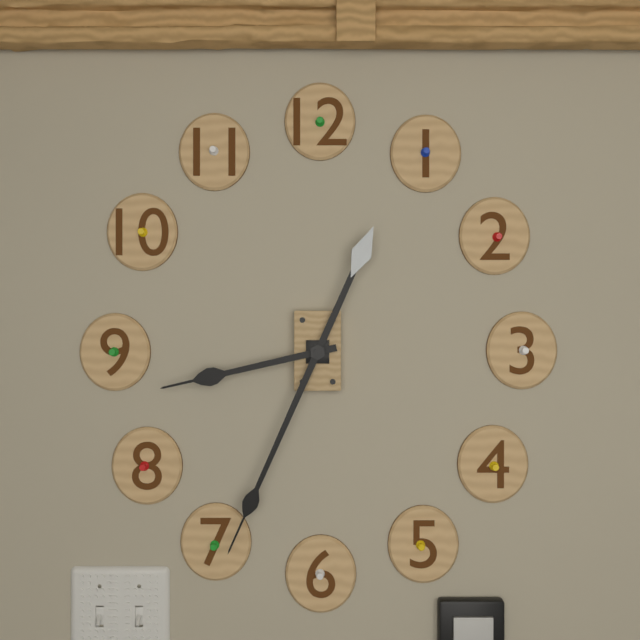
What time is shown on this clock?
8:34
